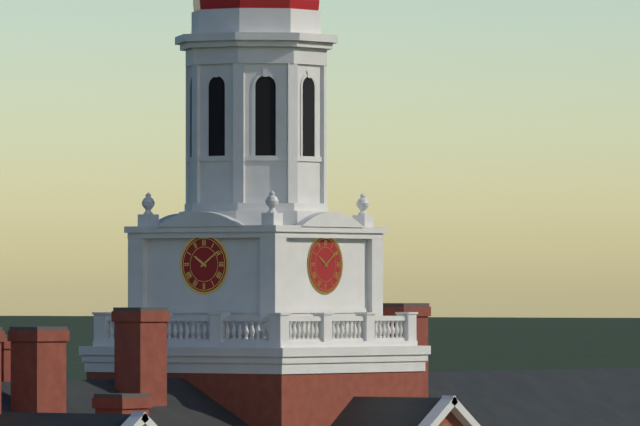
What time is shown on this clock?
10:09
